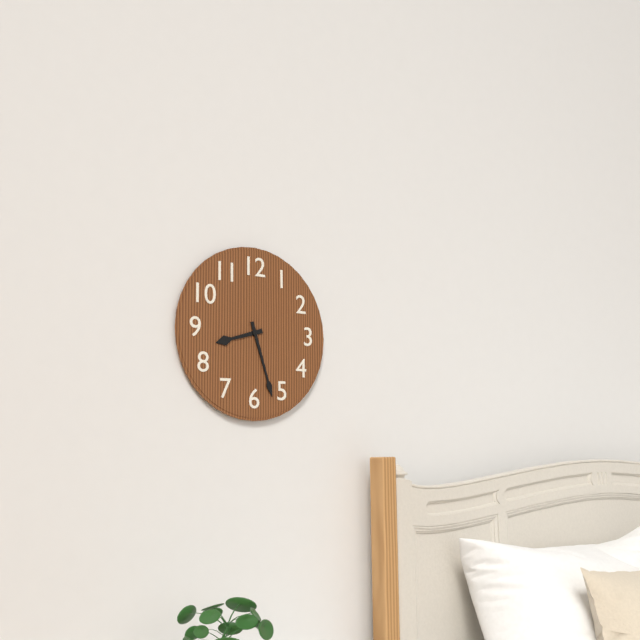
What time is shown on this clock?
8:27
